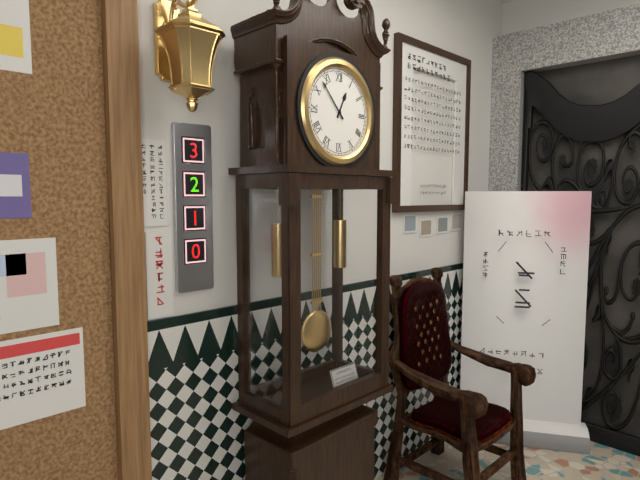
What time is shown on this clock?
12:53
